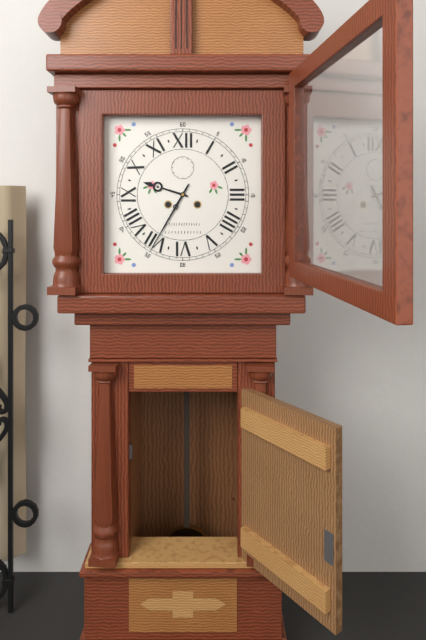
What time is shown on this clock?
9:35
